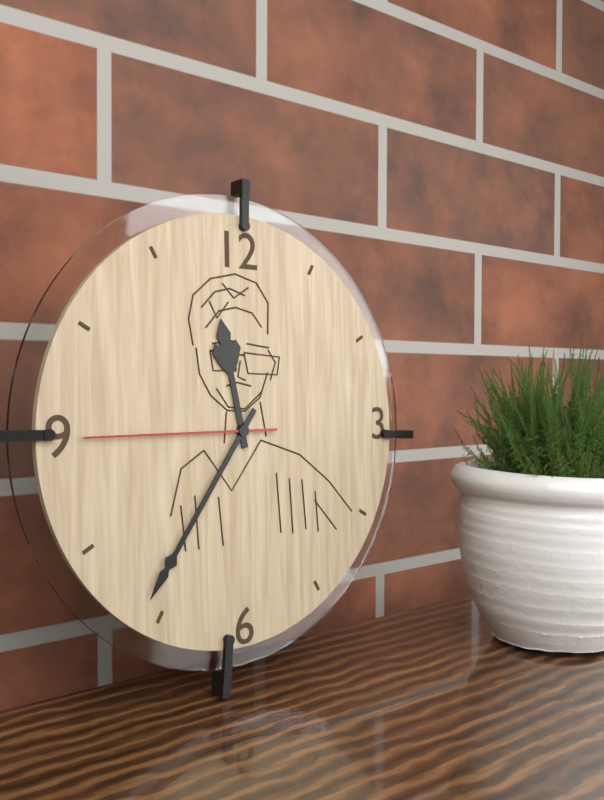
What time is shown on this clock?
11:36:45
